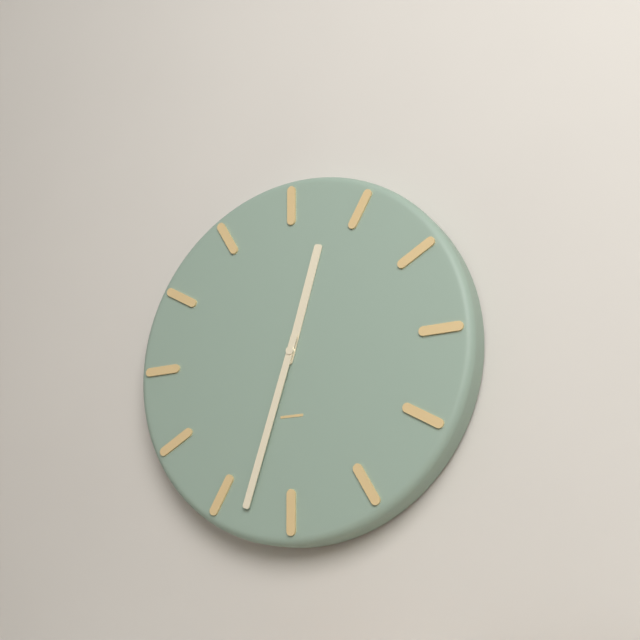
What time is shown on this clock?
12:33
